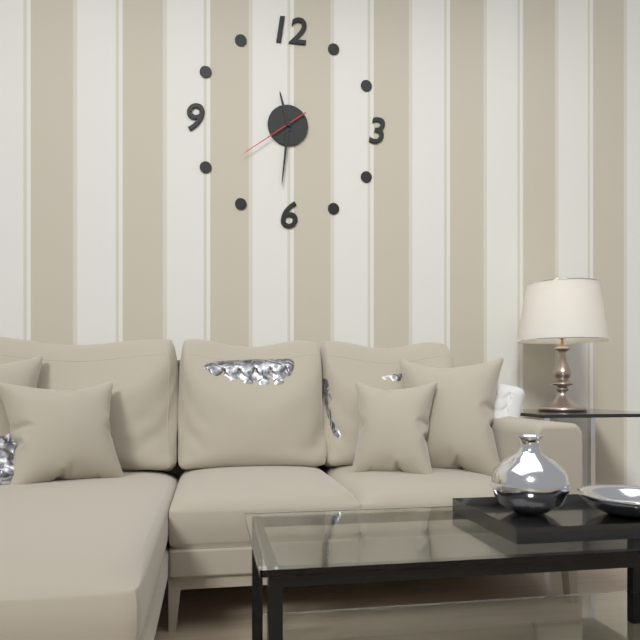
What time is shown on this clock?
11:31:39
